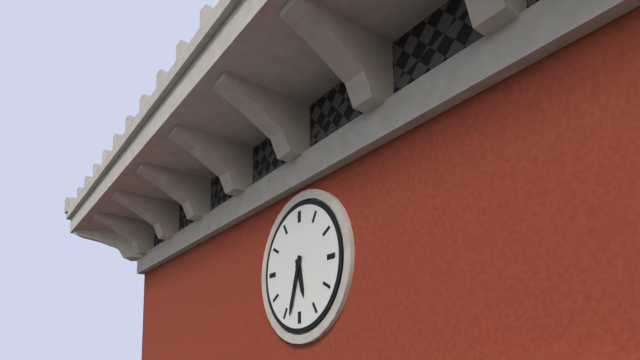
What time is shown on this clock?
5:33
